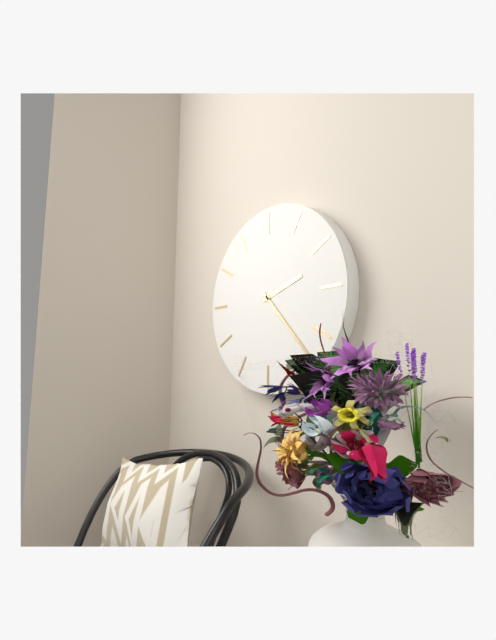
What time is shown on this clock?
2:23
